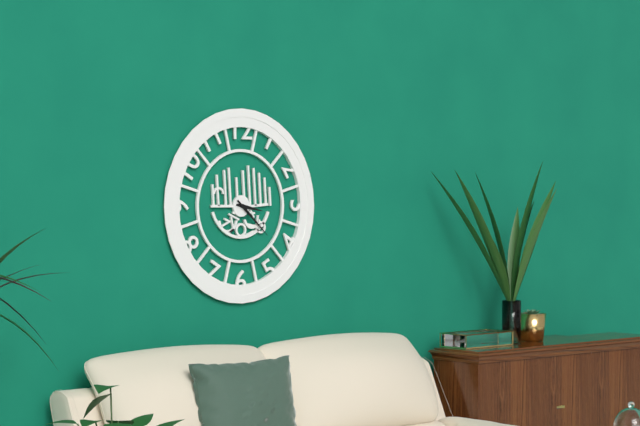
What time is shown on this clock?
3:22
